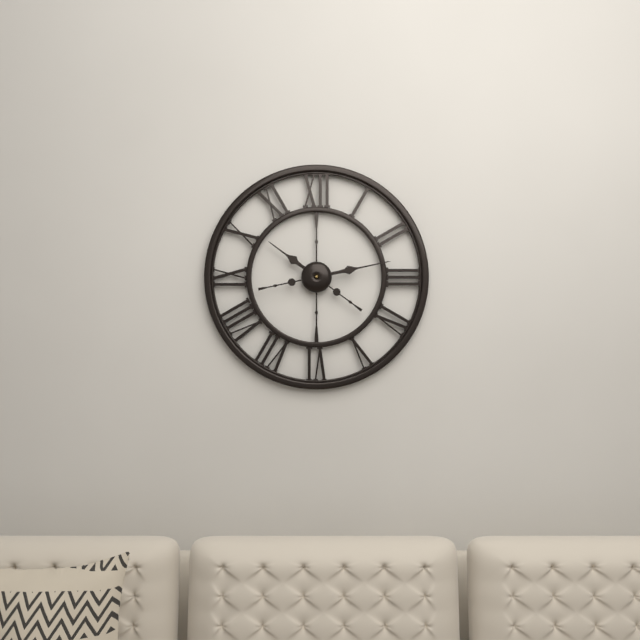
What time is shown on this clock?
10:13
